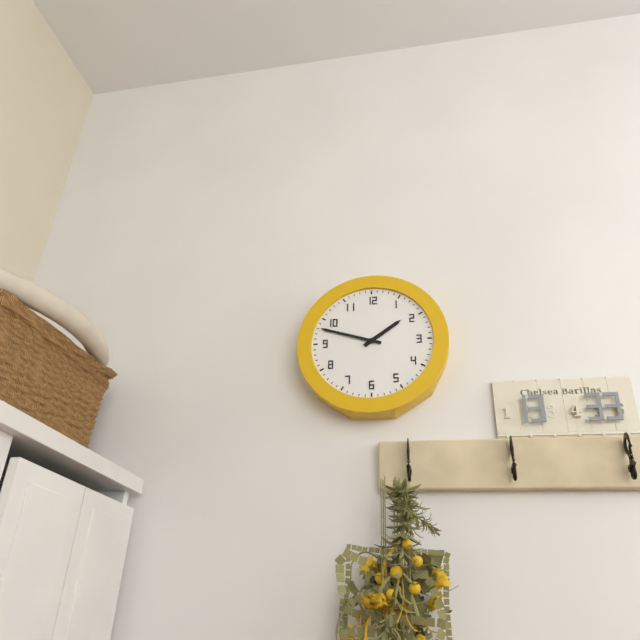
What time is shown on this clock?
1:48
